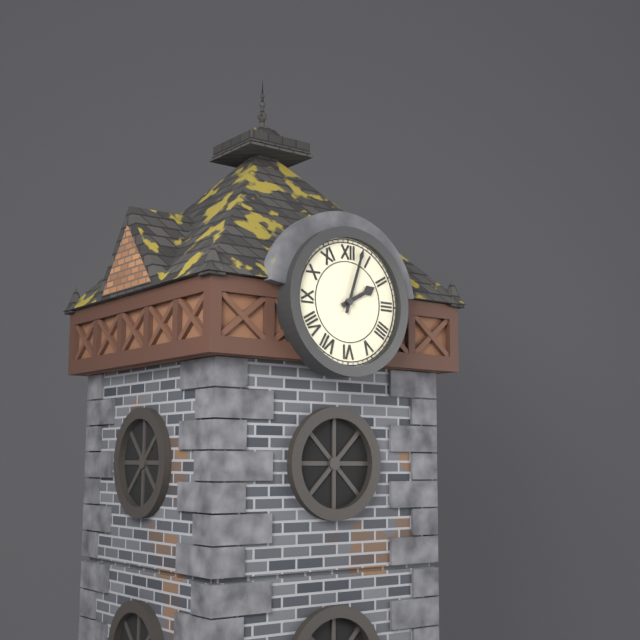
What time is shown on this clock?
2:03
